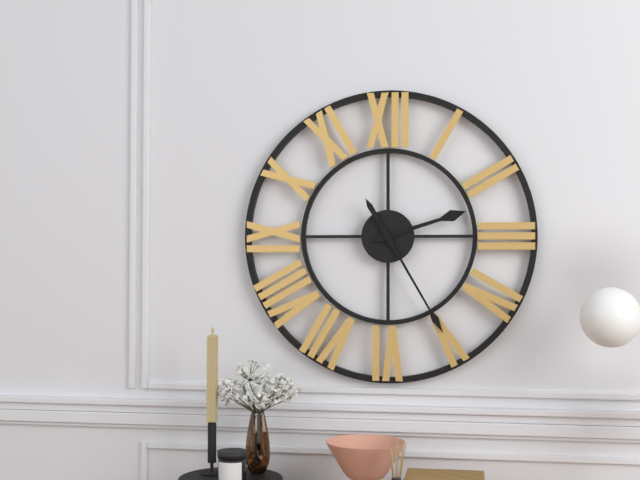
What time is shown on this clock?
2:25
